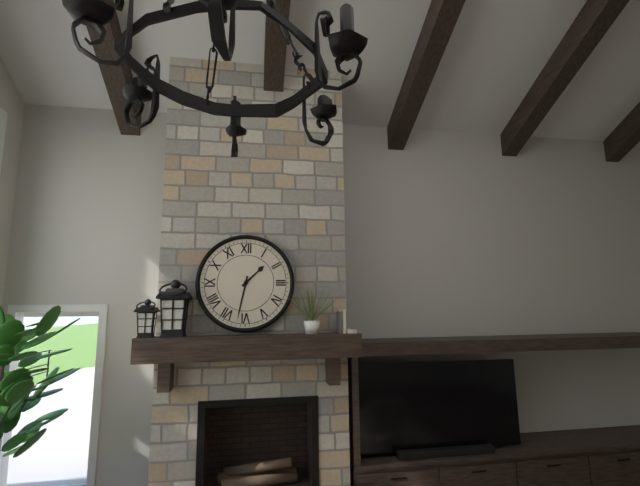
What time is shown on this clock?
1:32
